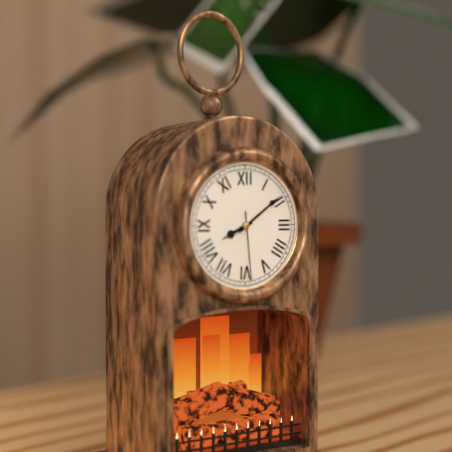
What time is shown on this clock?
8:09:29
